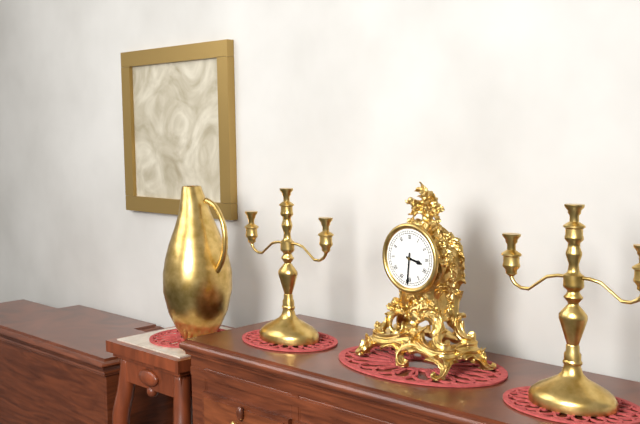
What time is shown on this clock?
3:31
